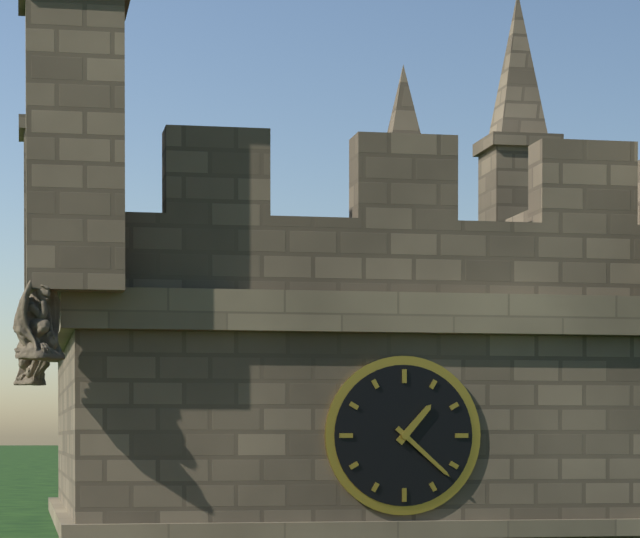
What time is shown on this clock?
1:22
